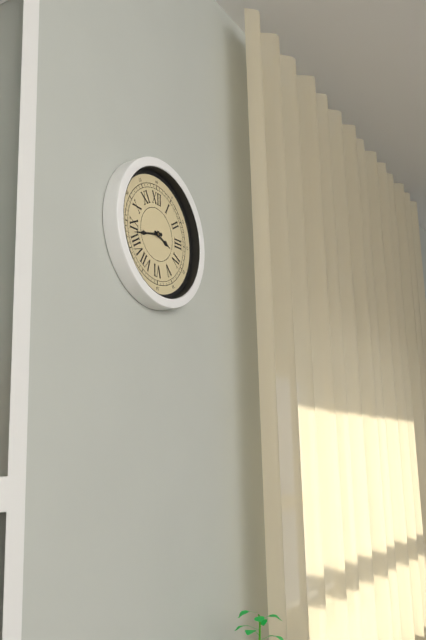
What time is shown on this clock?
3:43
